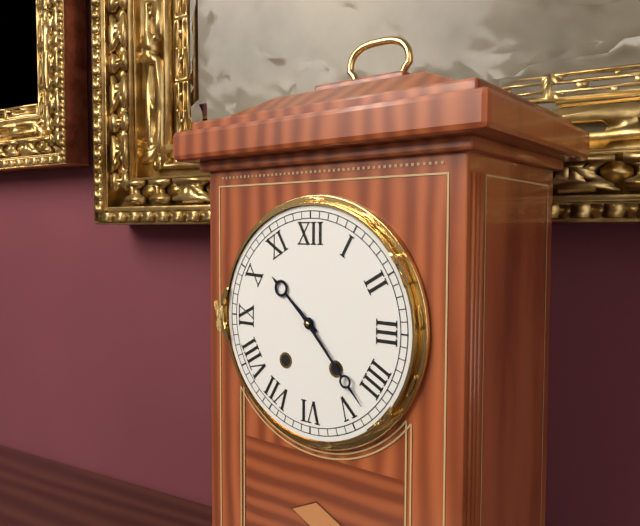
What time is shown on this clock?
10:23
